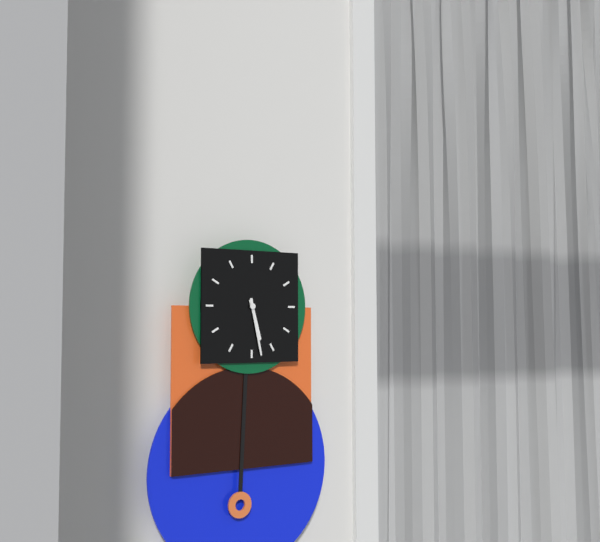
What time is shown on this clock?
5:28
